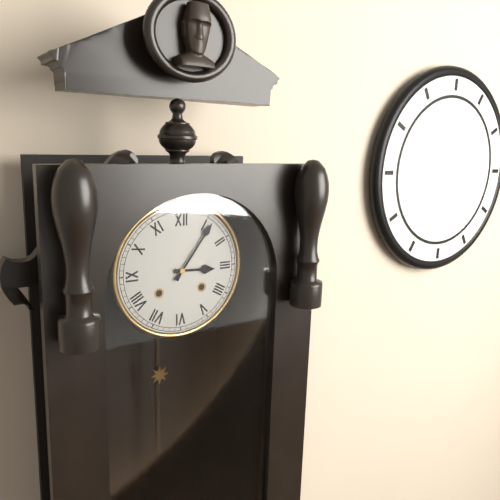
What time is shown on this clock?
3:06
